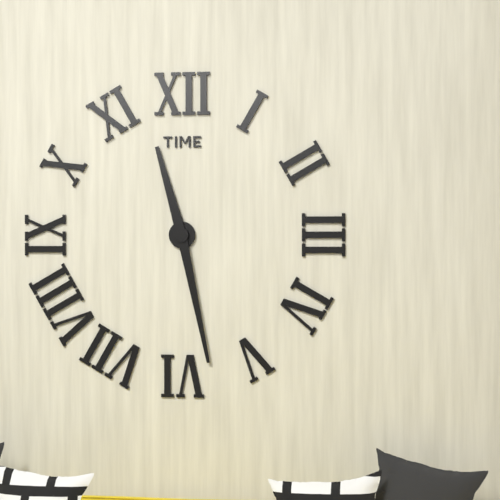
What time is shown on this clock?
11:28
